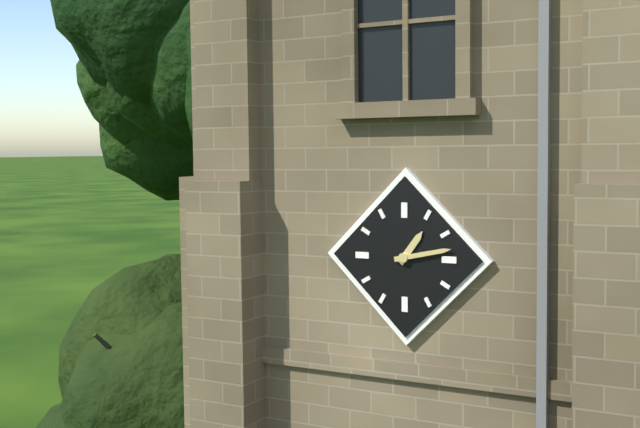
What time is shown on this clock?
1:13
